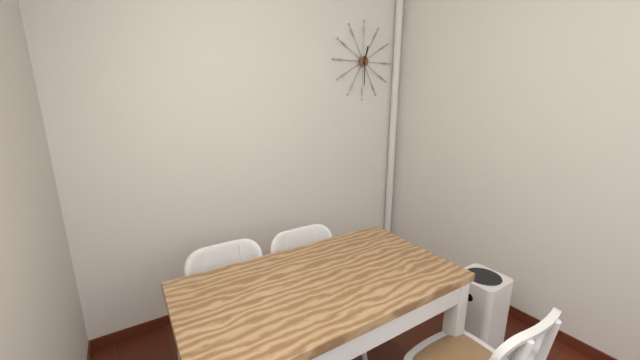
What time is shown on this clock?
12:30
